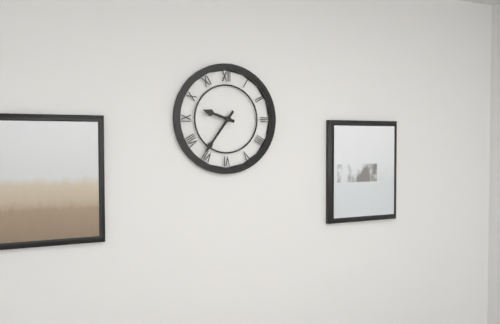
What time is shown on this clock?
9:36
